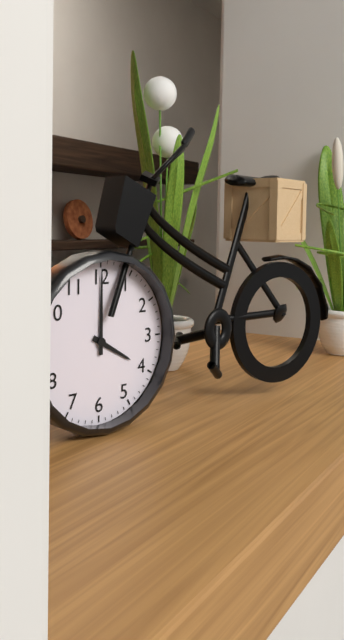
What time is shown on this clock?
4:00
